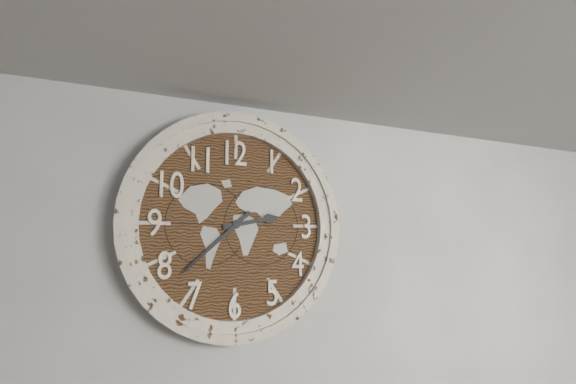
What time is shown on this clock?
2:38
